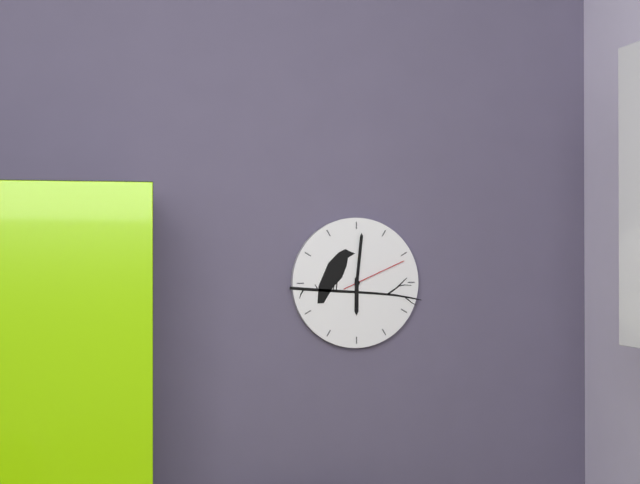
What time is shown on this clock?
6:01:11
